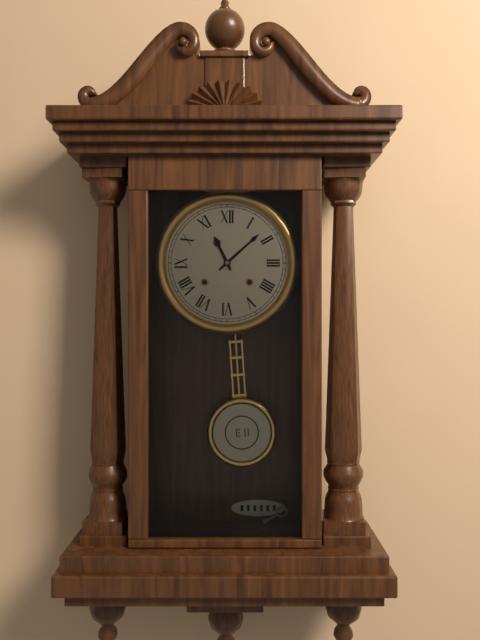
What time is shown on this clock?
11:08
